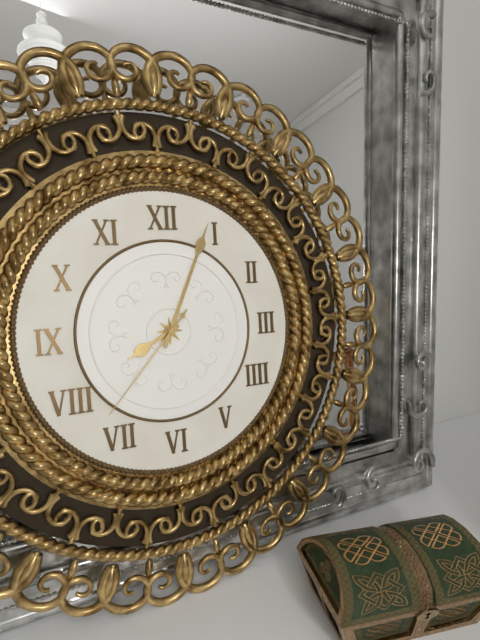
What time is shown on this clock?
8:04:37
